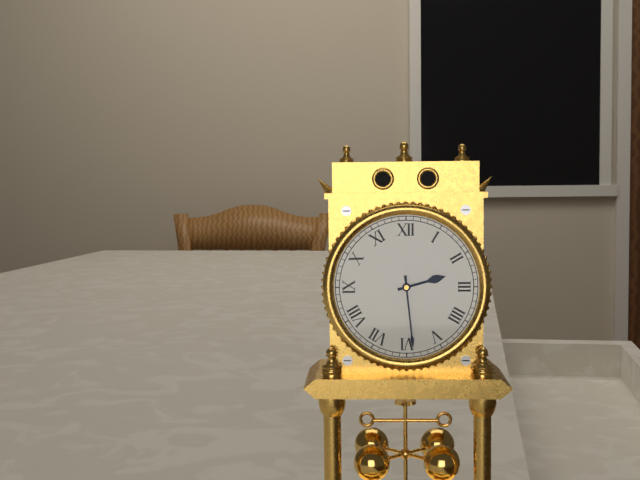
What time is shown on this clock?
2:29
